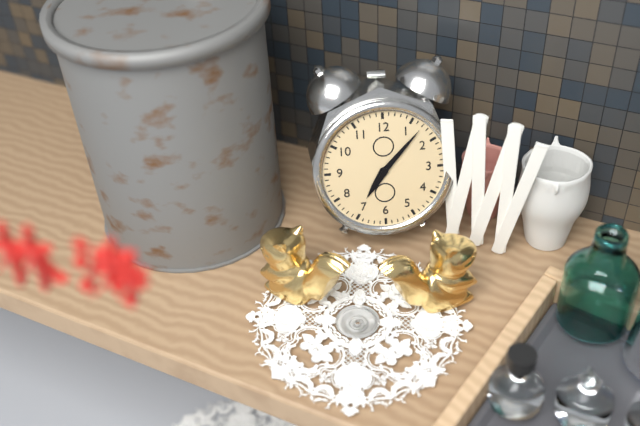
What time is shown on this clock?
7:07
